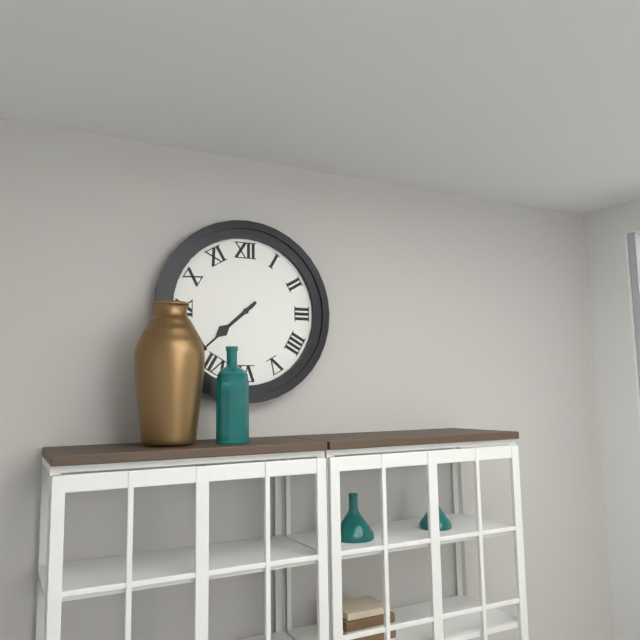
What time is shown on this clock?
7:38
